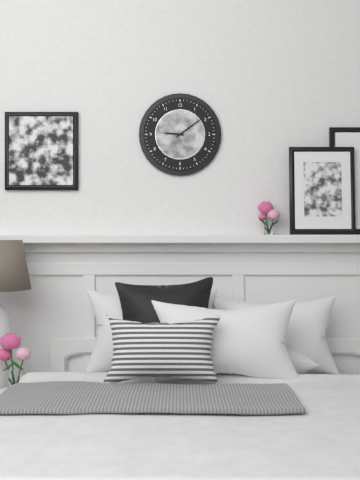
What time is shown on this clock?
9:09
